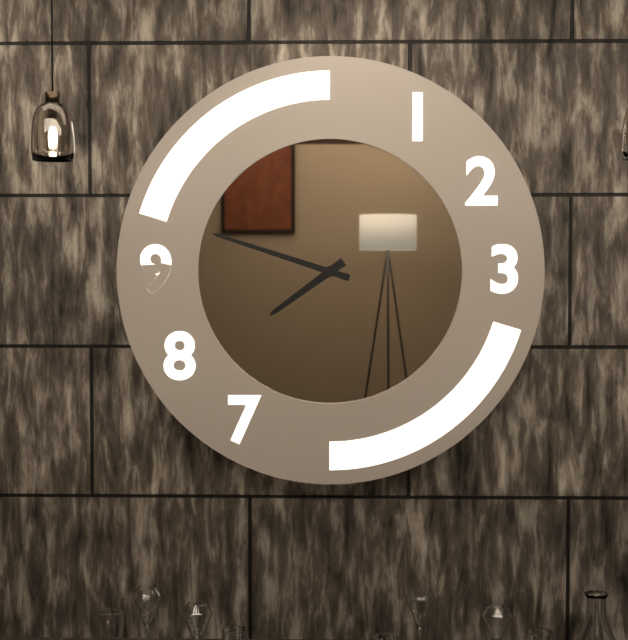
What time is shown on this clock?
7:48
